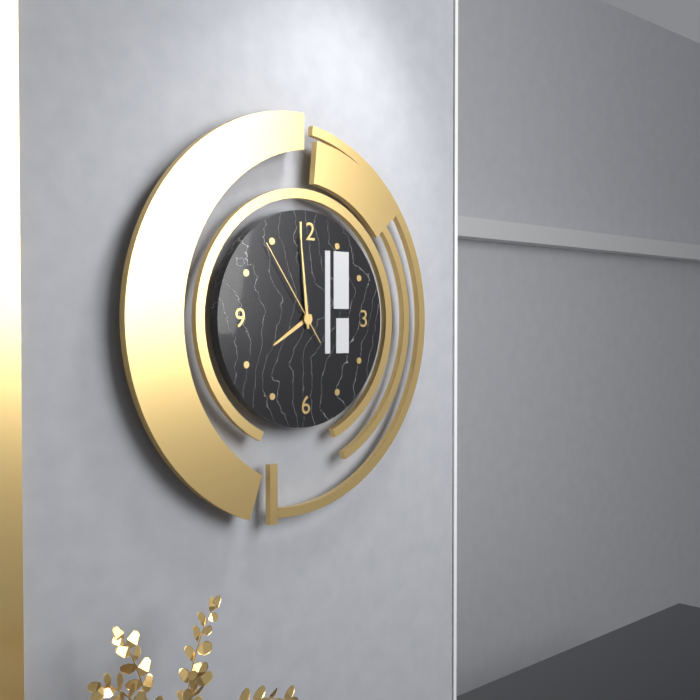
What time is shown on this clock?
7:59:54
